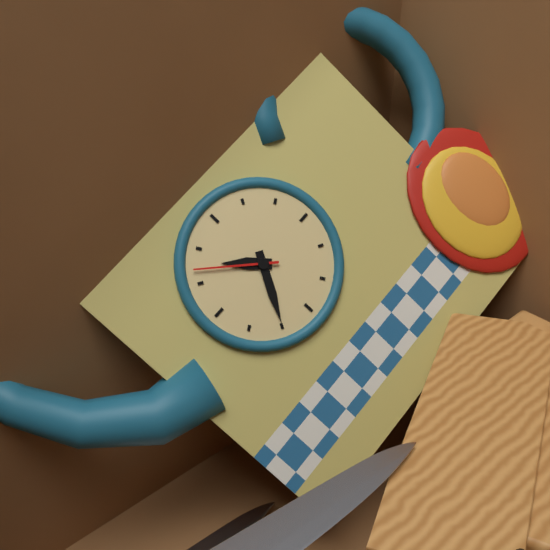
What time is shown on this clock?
10:35:52
